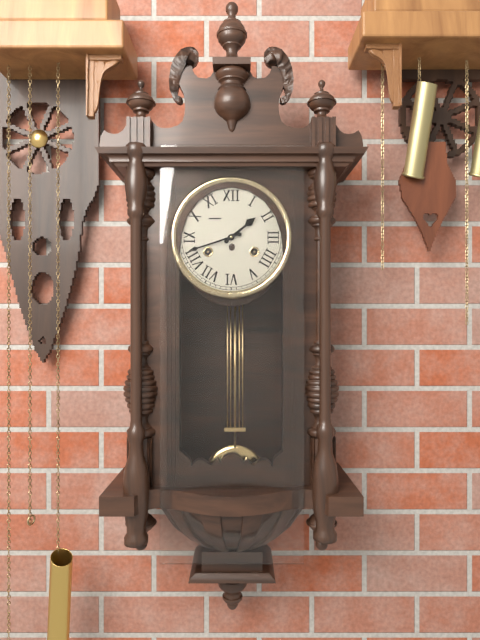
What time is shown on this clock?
1:42
